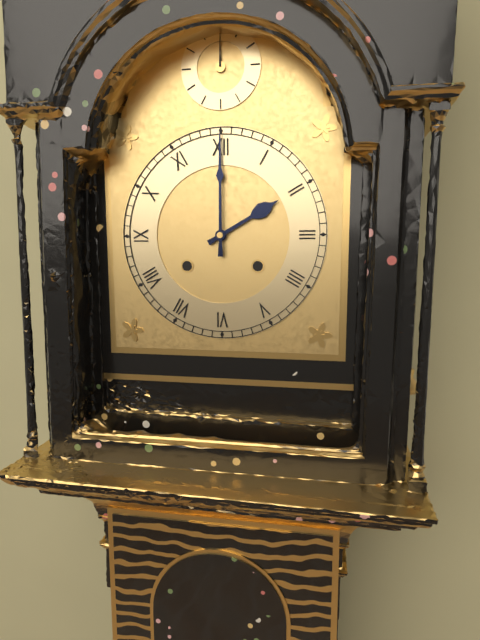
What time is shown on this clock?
2:00
